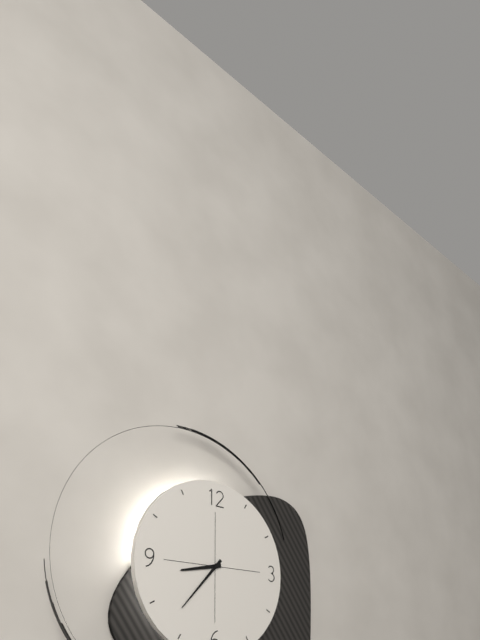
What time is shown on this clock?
8:37
